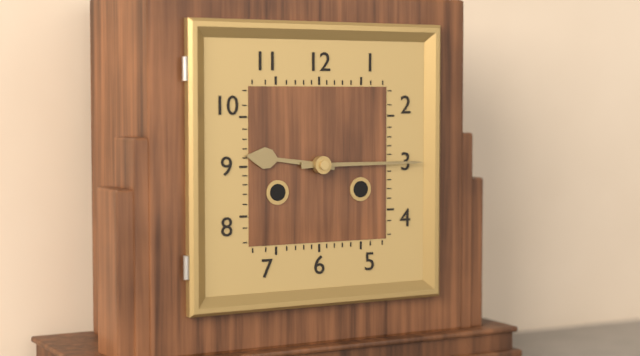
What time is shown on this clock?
9:15
